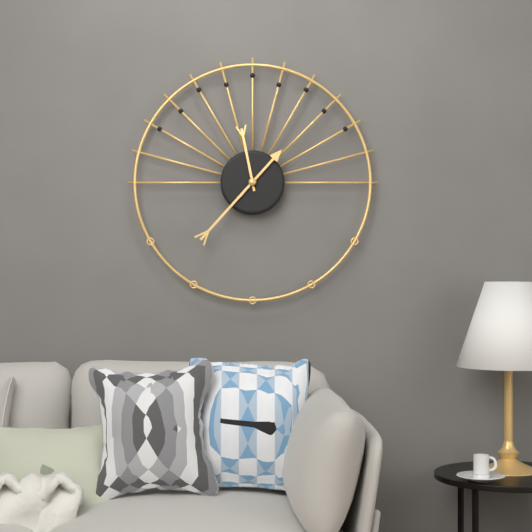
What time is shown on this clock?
11:37
